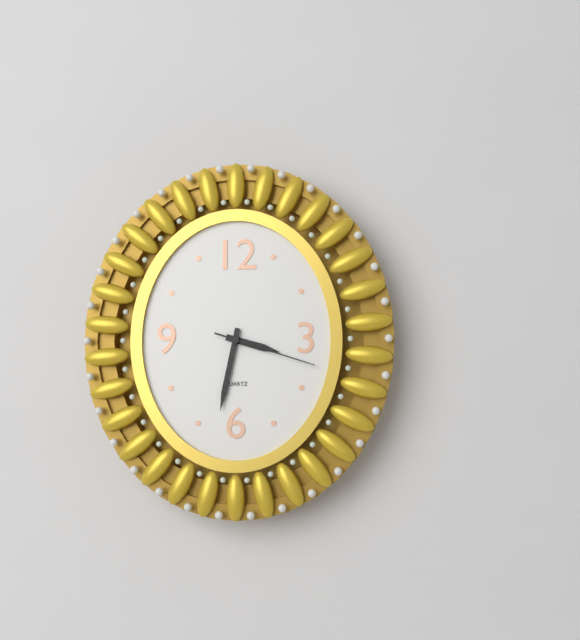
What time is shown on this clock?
3:32:18
